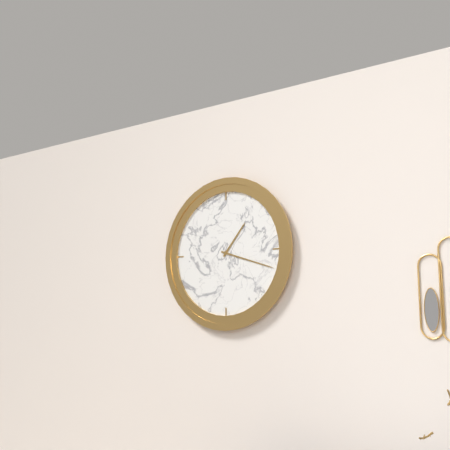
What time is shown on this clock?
1:18
